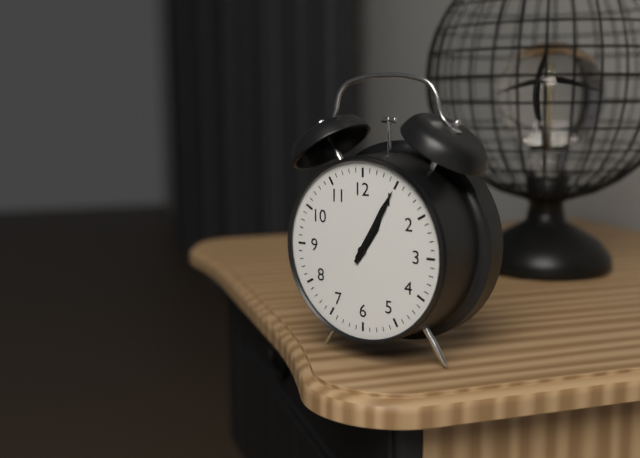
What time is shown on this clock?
1:05
